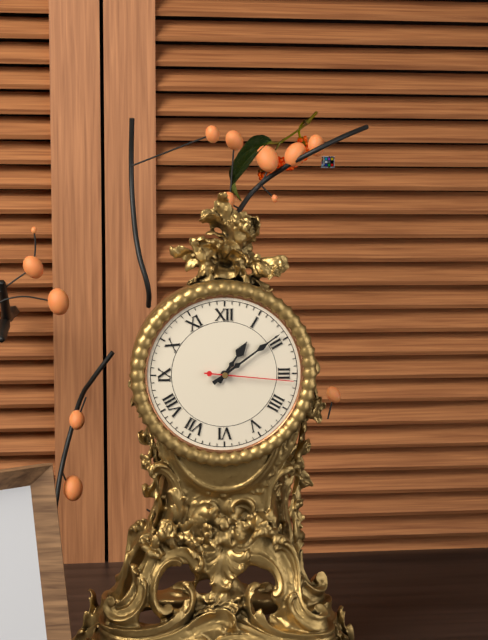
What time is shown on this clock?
1:09:16
